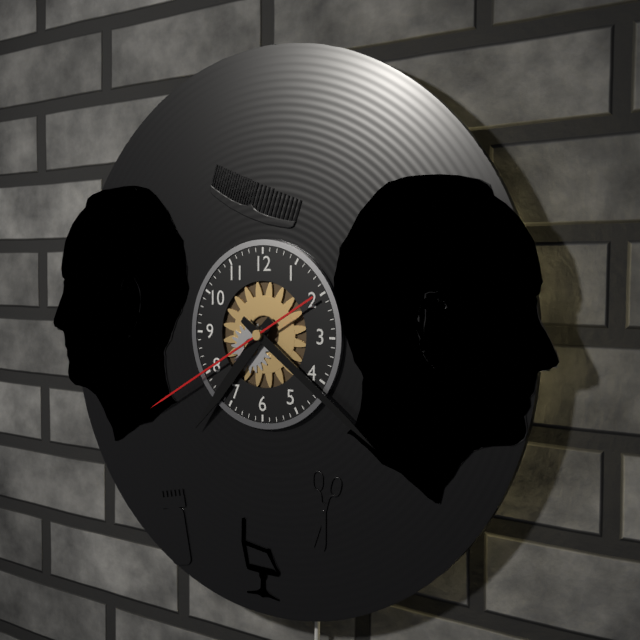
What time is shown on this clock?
7:21:40
